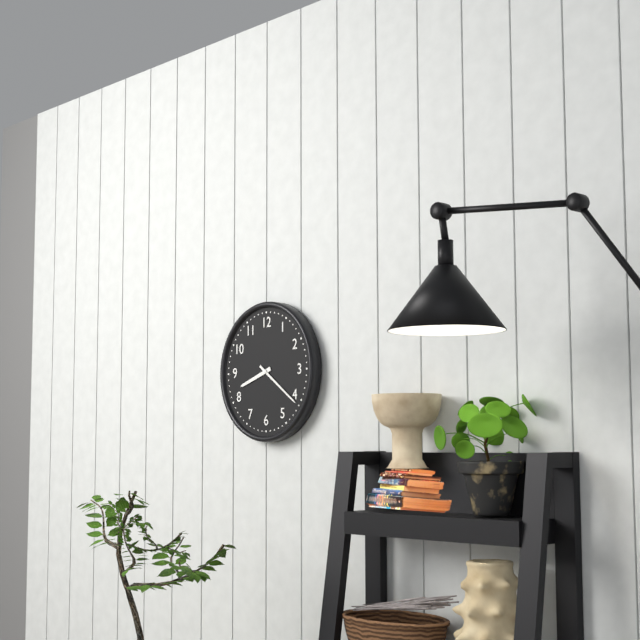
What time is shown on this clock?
8:21
